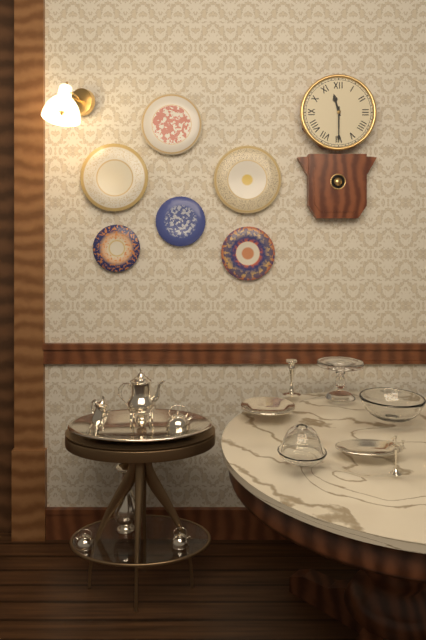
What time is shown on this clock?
11:30
